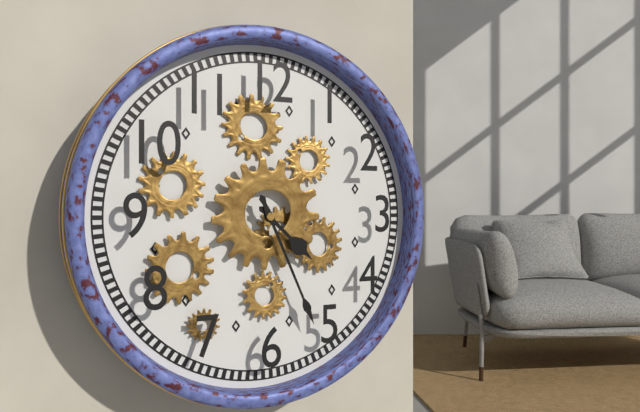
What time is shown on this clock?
4:26
